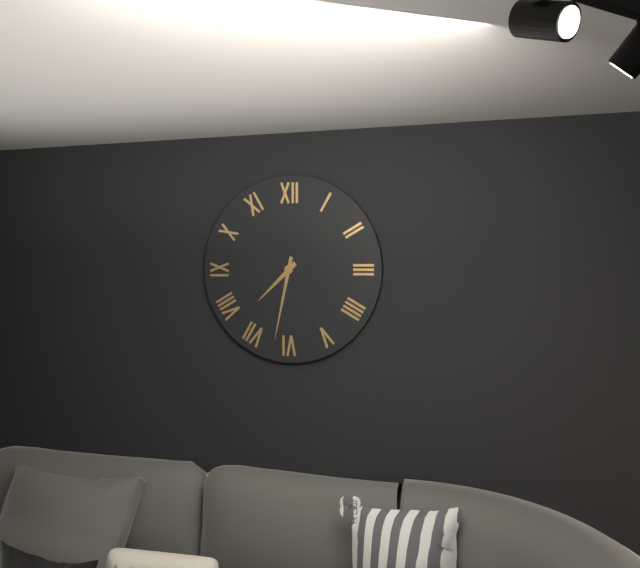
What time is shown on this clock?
7:32
